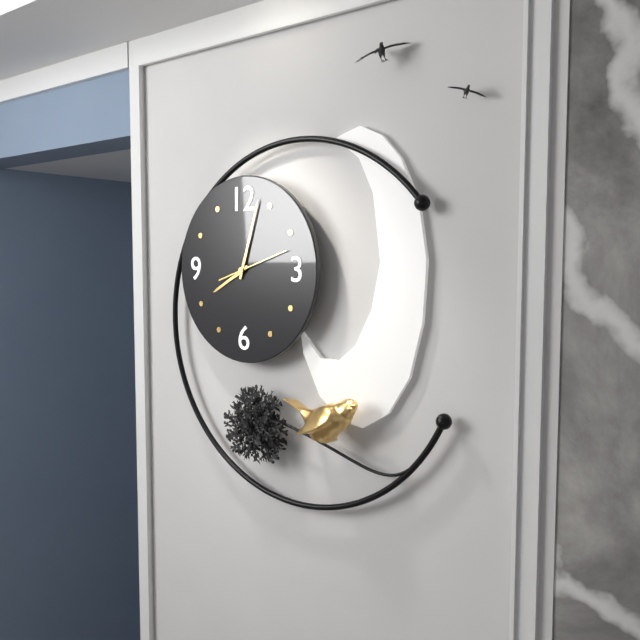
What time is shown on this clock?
8:03:12
